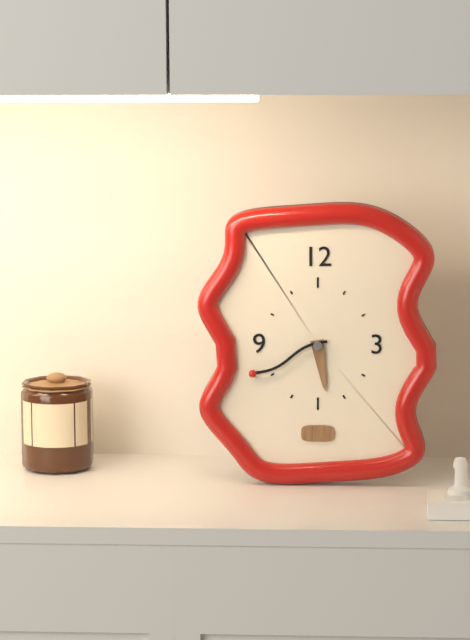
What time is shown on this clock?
5:41
